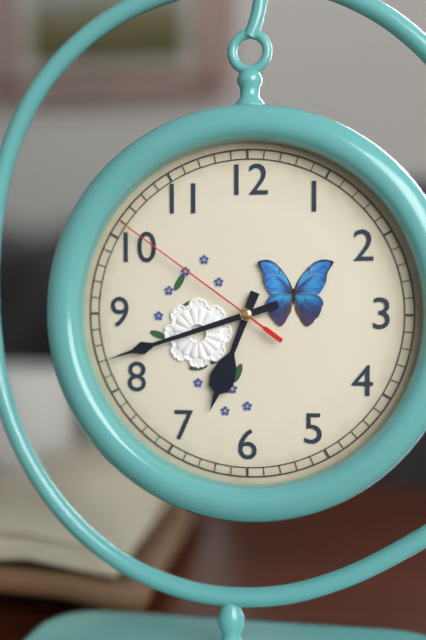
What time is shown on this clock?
6:42:51
